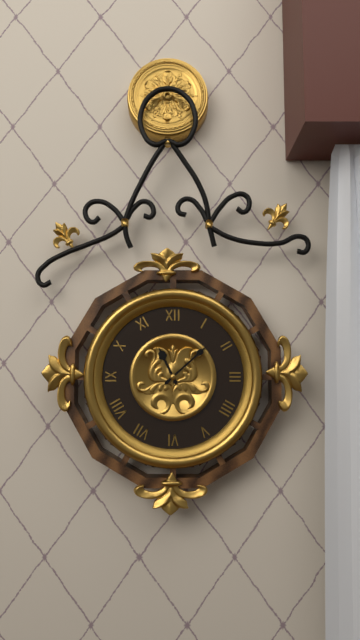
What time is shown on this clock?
11:08
